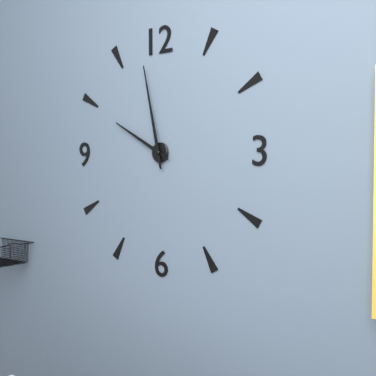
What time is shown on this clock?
9:58
